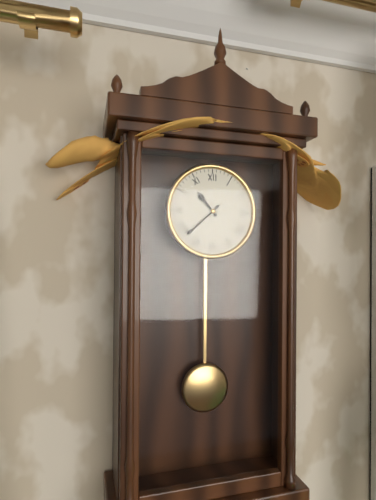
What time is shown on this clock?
10:38
